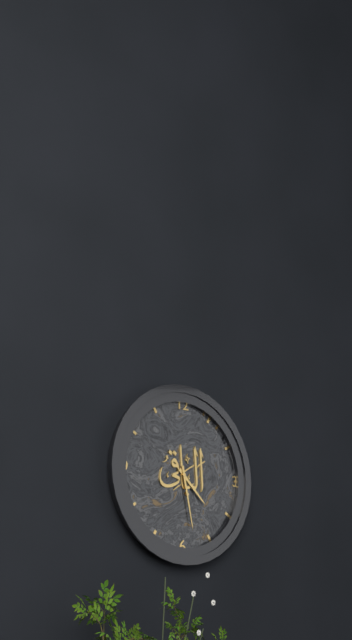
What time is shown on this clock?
4:28
